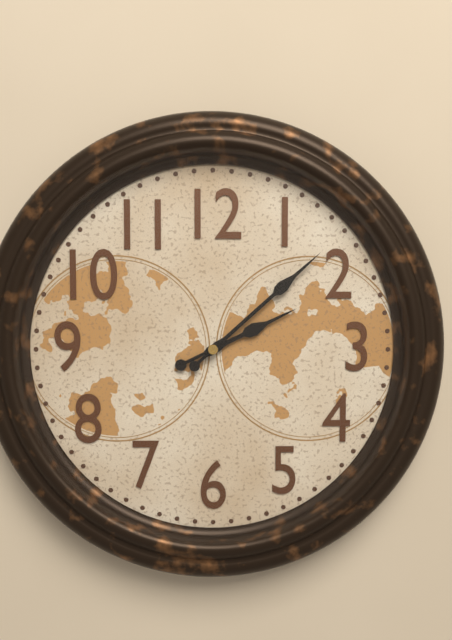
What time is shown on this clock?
2:08
